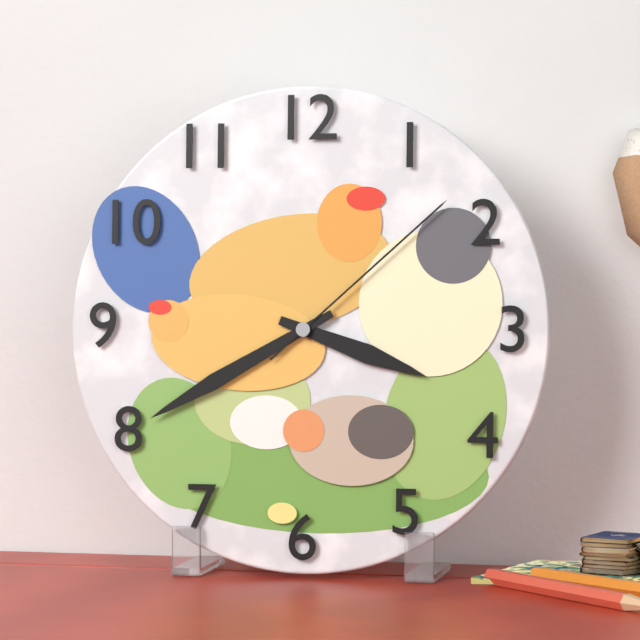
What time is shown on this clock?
3:40:08
